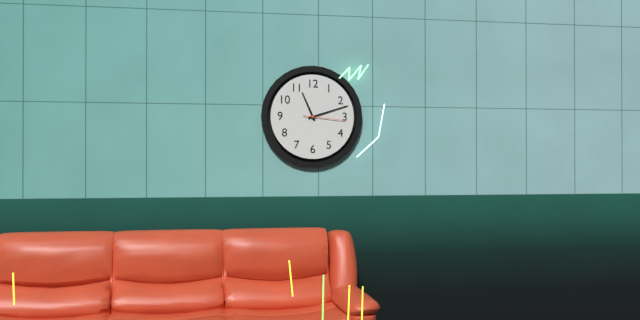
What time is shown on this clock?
11:12
